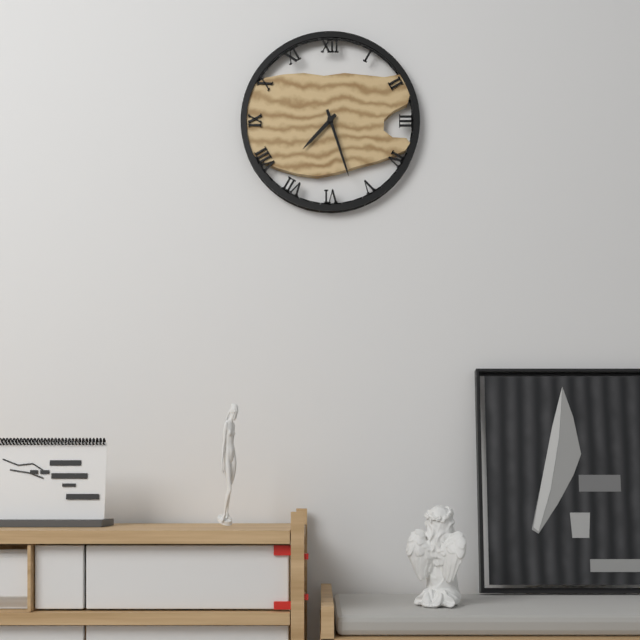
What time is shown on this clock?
7:27
